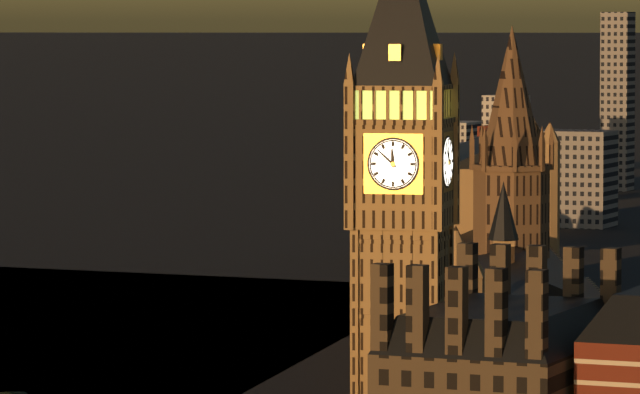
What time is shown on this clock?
11:52
